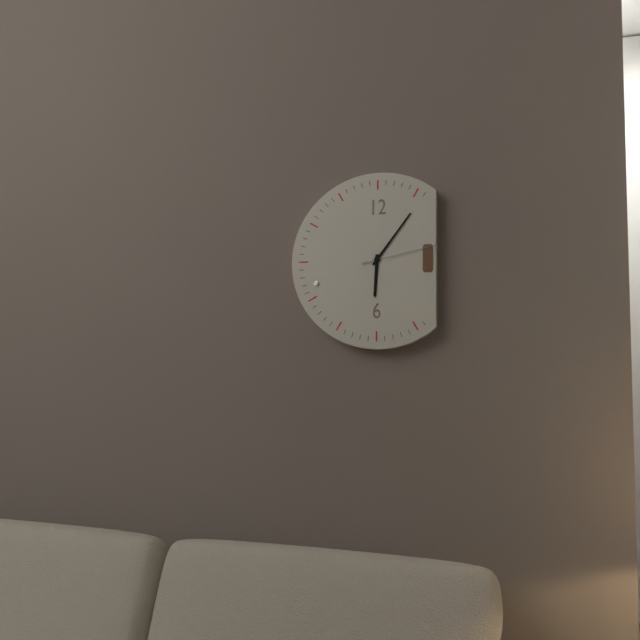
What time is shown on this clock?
6:06:13
